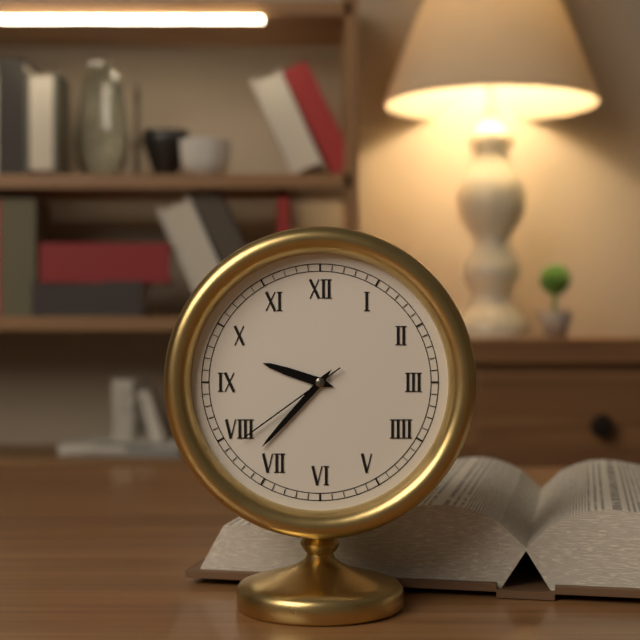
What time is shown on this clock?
9:37:39
